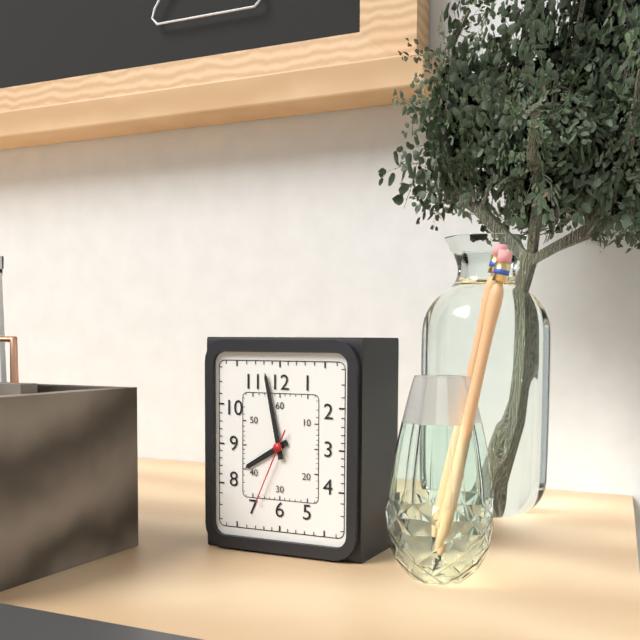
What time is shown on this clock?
7:58:34
